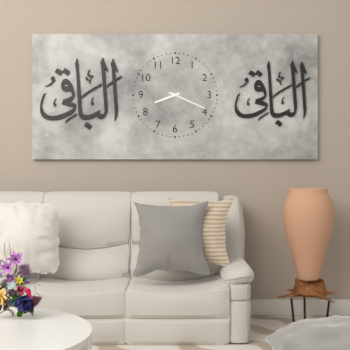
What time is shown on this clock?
8:19
